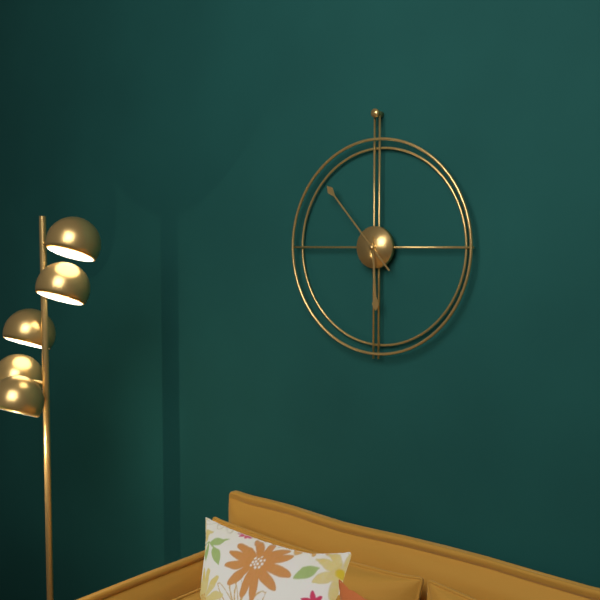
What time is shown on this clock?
5:53
